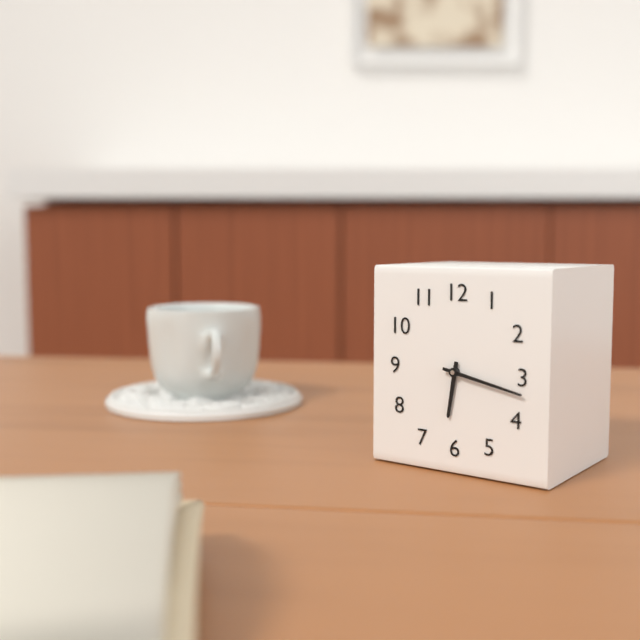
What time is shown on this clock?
6:17
